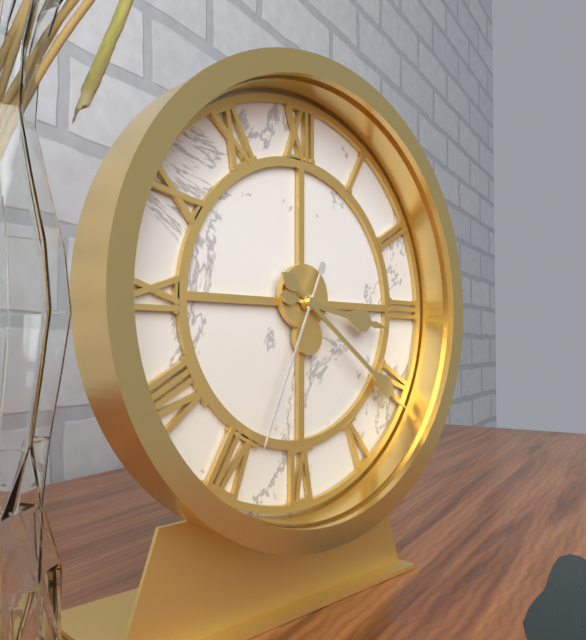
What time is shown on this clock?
3:21:34
